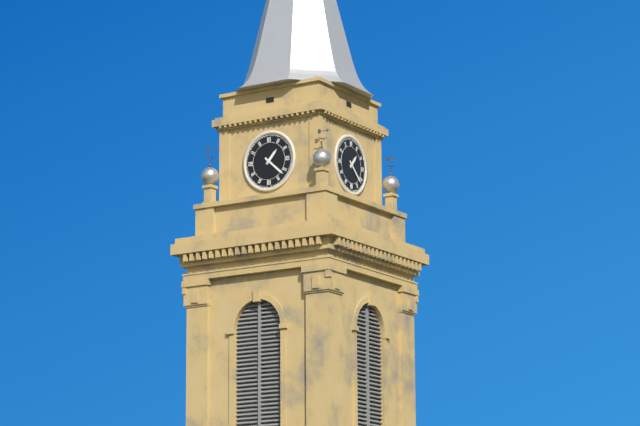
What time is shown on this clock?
1:22
